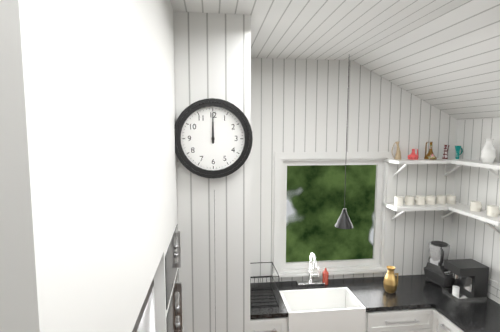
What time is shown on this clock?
12:00
